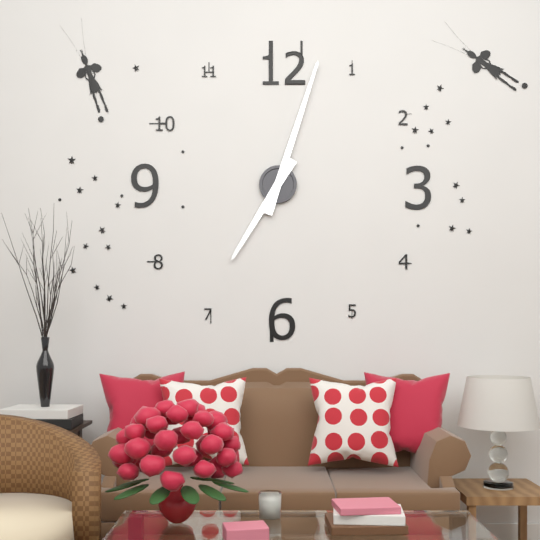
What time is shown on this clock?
7:03
